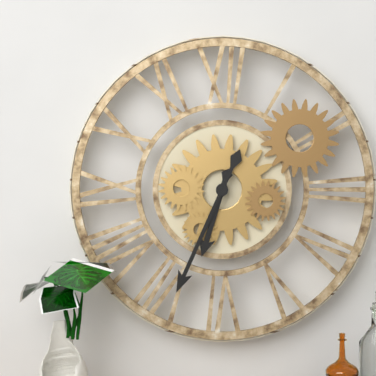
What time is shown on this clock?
6:34
